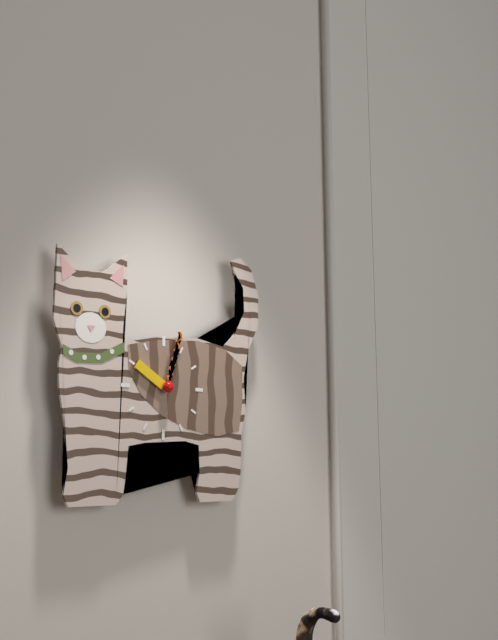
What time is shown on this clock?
10:03
